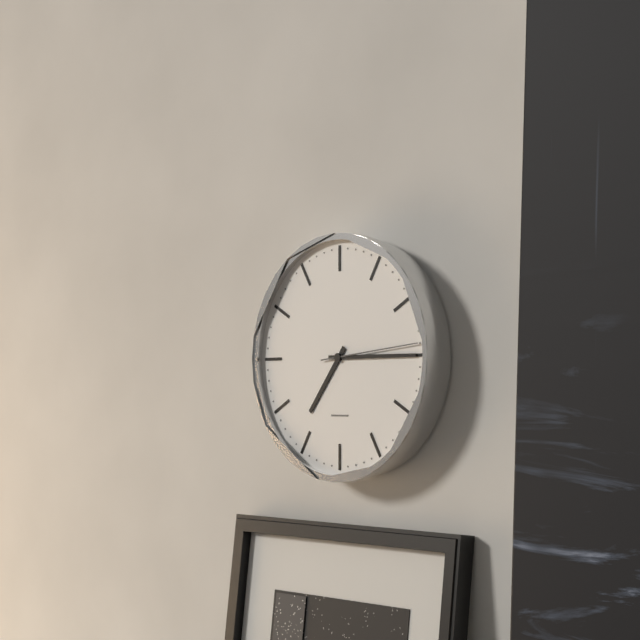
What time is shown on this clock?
7:15:14
